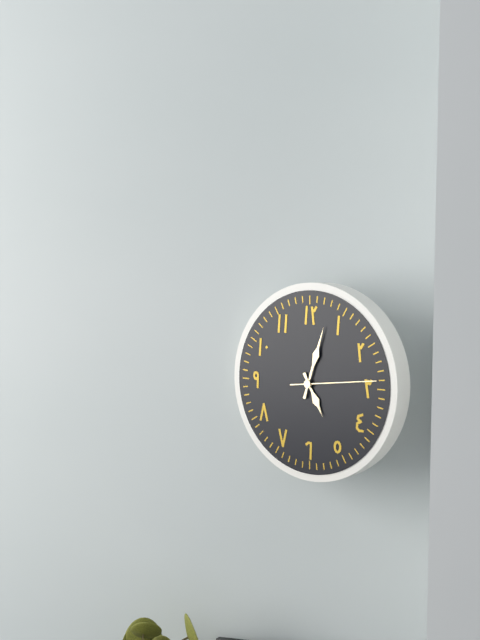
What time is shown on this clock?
5:03:14
